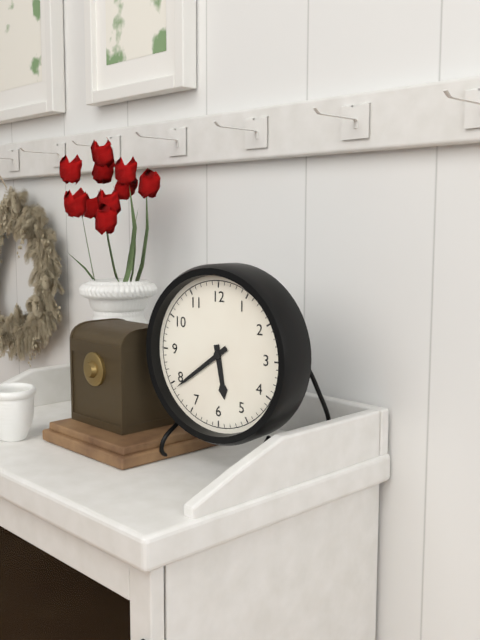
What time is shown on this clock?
5:39
